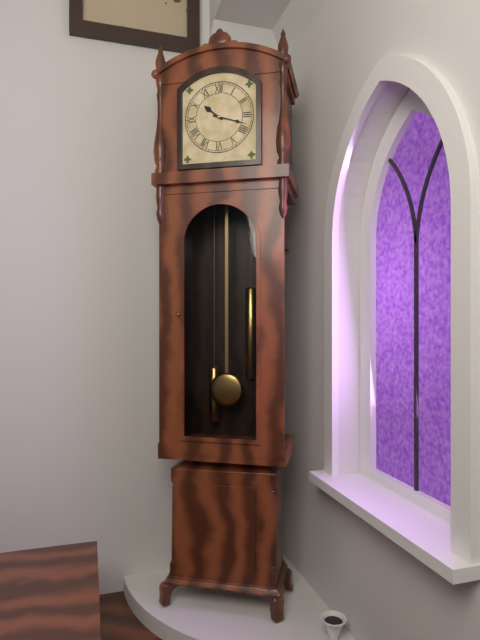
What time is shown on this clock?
10:18
